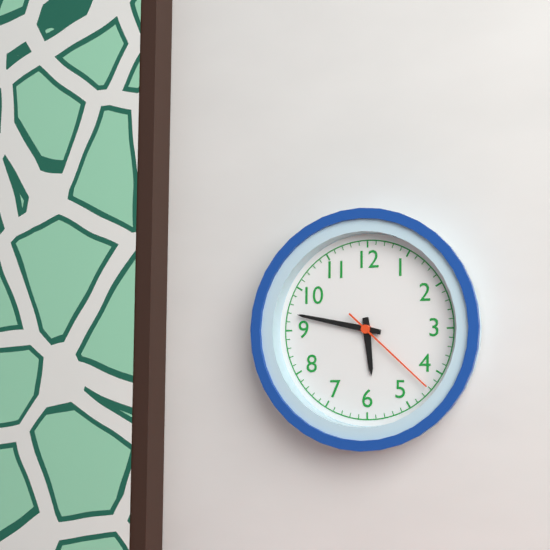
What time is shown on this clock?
5:47:22
